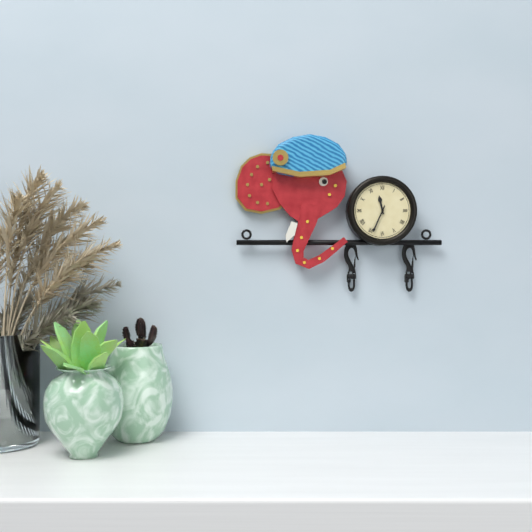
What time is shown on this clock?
11:34
